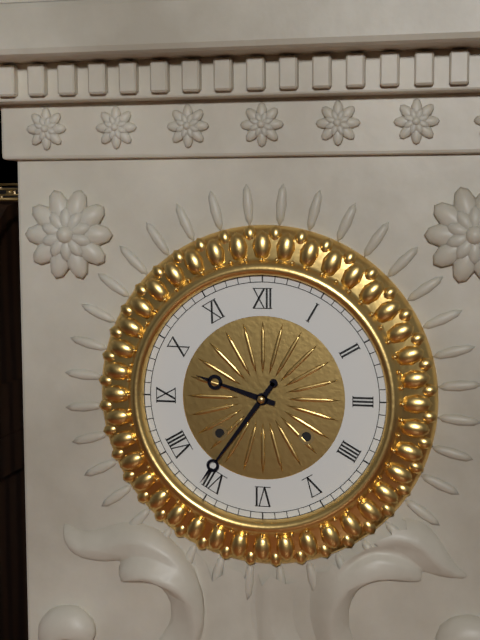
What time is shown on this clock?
9:36
